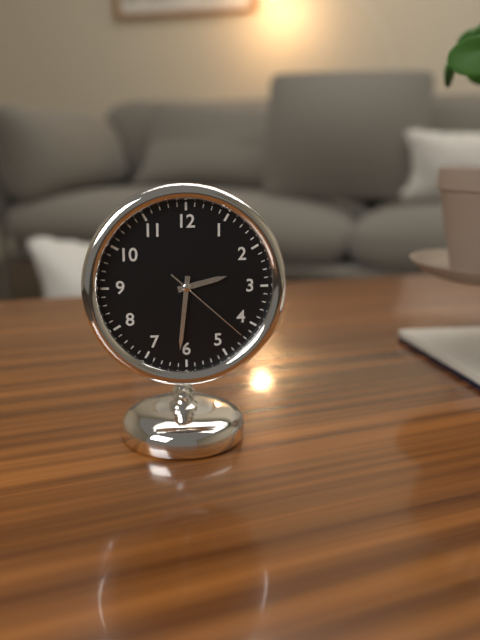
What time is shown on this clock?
2:31:22
